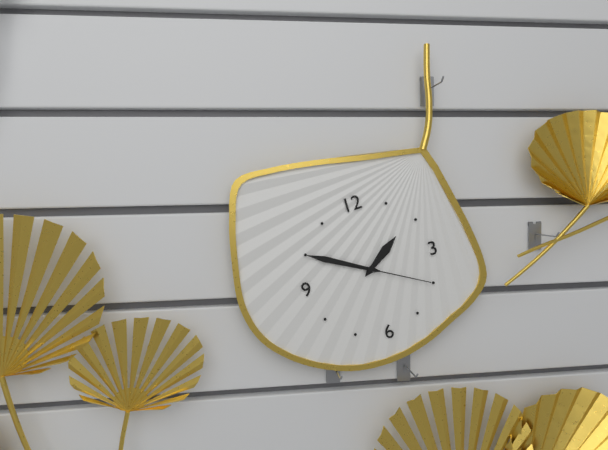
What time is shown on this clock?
1:50:20
